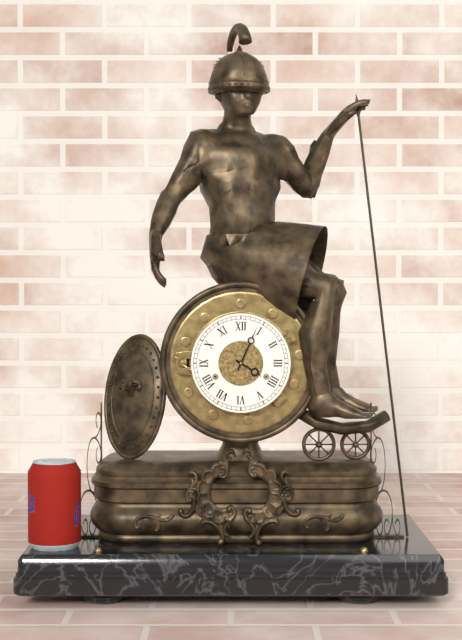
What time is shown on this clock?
4:04
